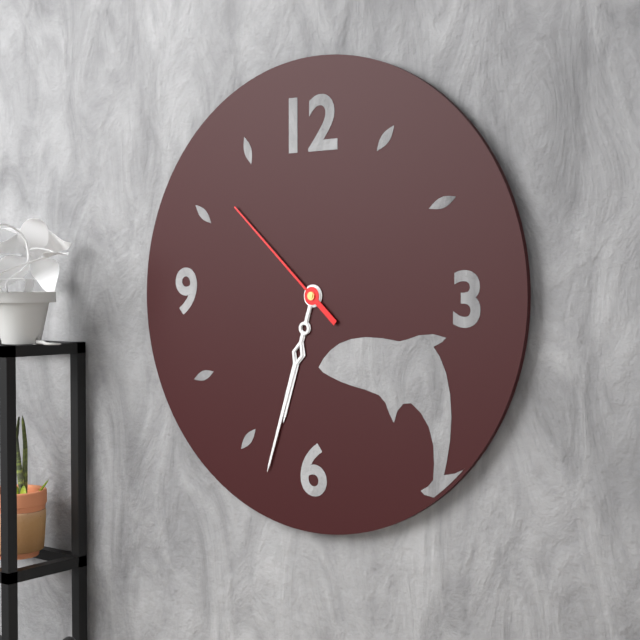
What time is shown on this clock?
6:33:52
